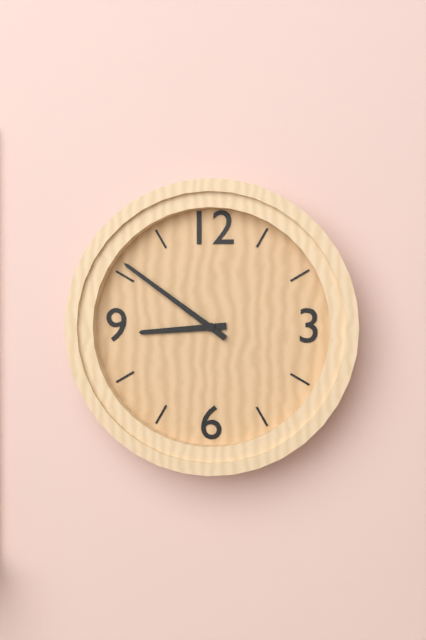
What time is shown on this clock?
8:51
